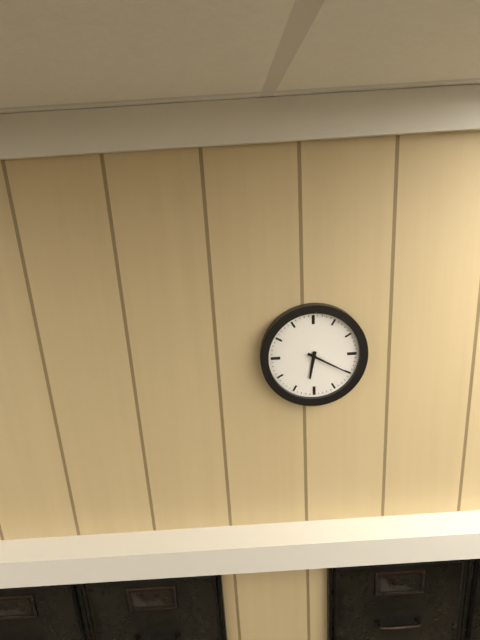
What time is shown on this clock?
6:20
